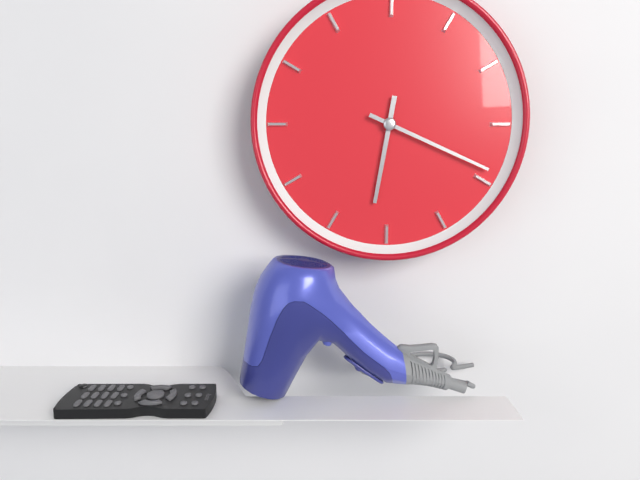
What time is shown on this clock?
6:19
